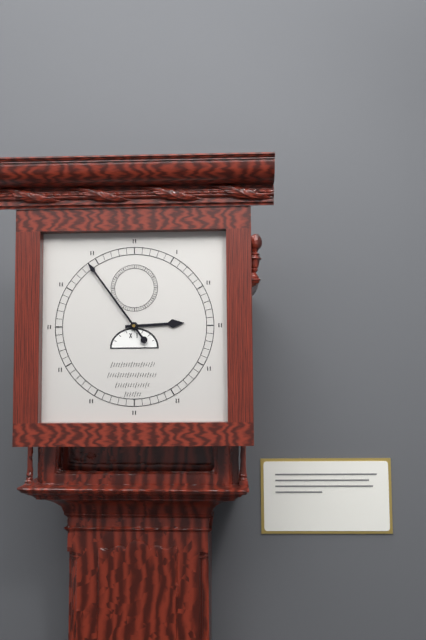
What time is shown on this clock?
2:54
